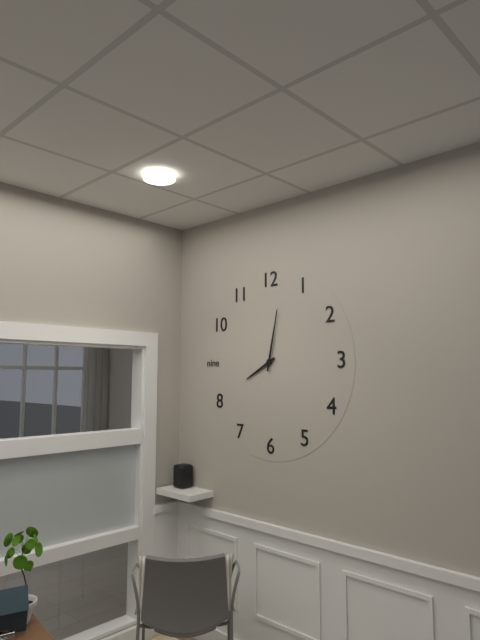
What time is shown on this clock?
8:02
